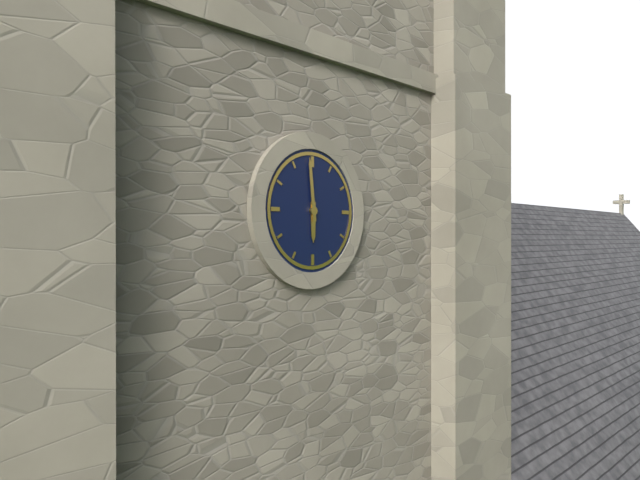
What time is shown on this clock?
5:59
